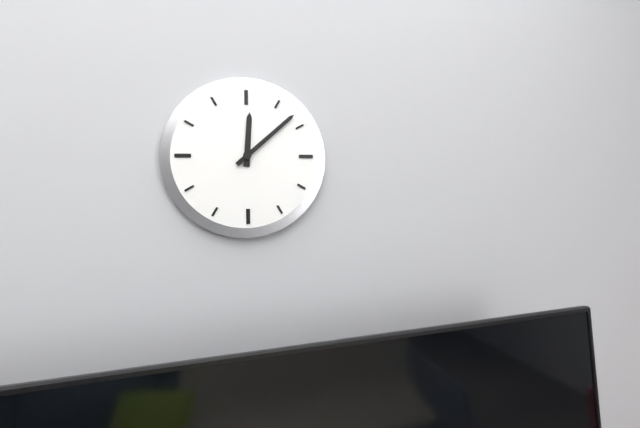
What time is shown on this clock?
12:08
